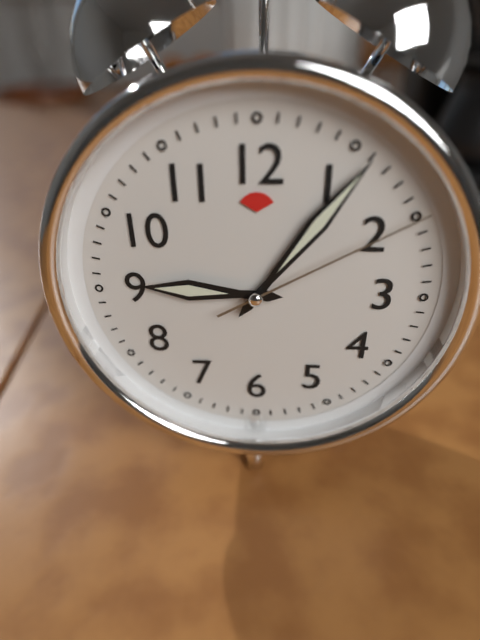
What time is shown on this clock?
9:06:10
